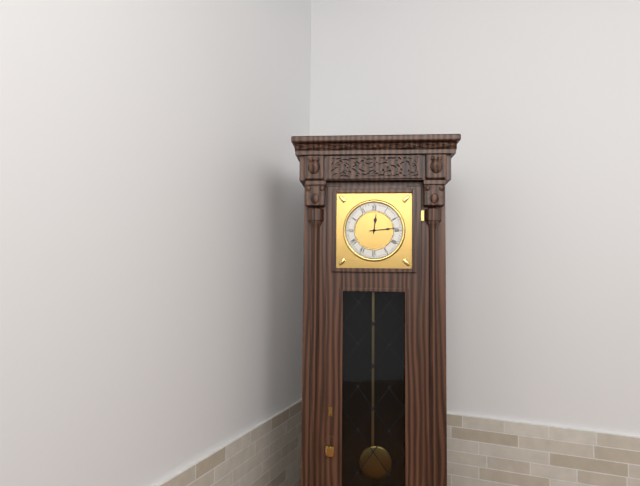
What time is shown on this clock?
12:14
